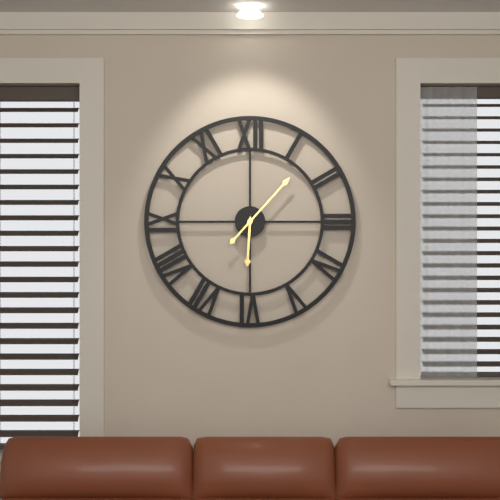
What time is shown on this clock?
6:07
